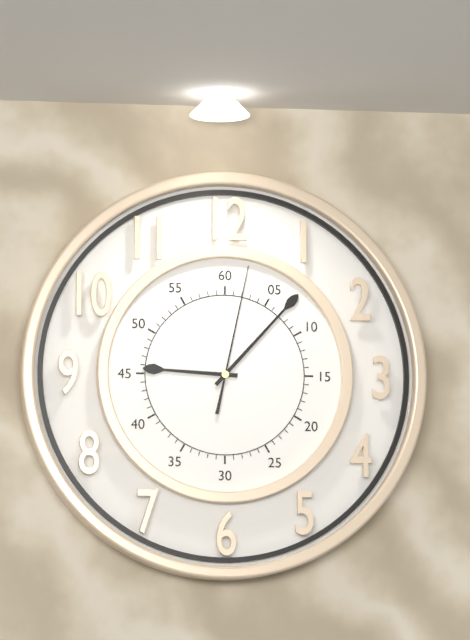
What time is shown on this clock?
9:07:02
